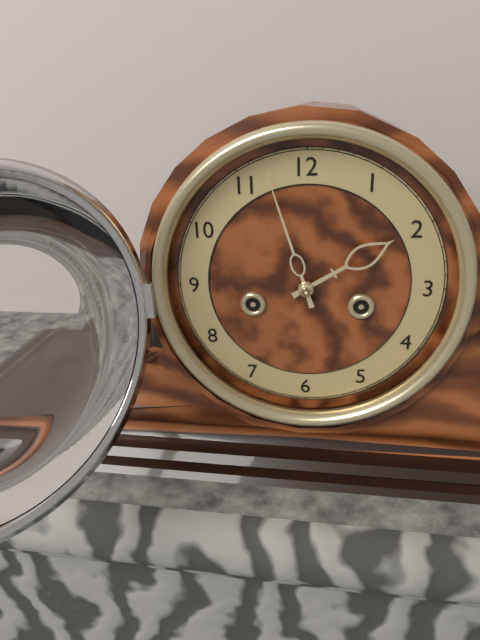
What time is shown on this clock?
1:57
